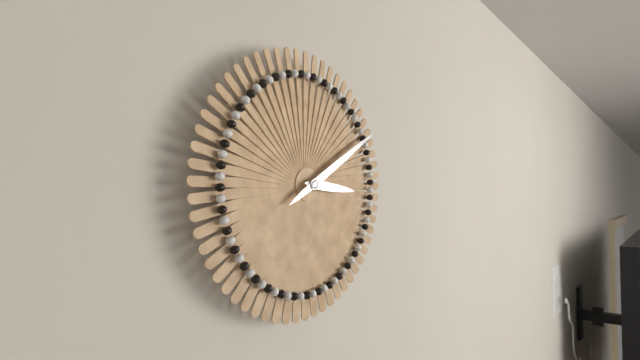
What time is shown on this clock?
3:10
